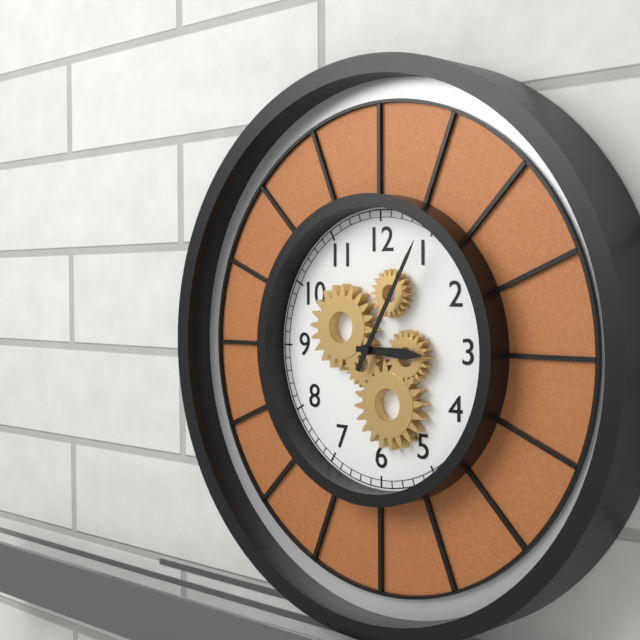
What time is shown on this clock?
3:05
